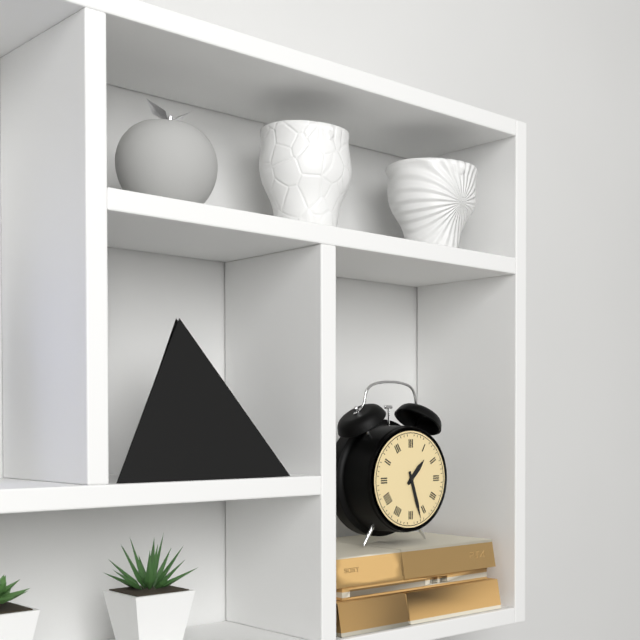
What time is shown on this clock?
1:27
